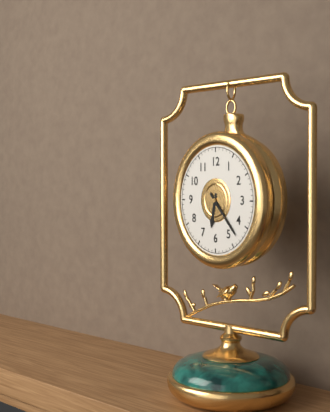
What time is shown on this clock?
6:23
